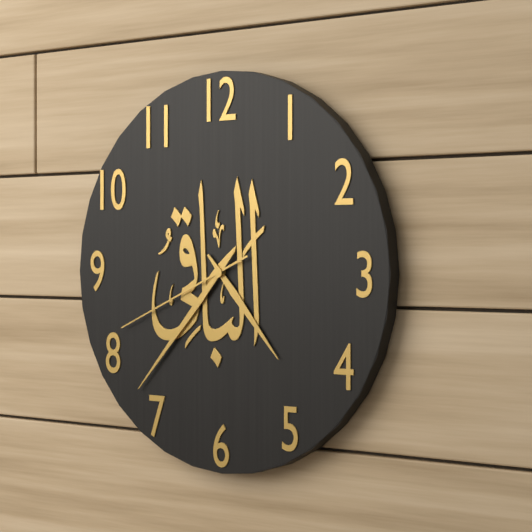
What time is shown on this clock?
4:37:41
